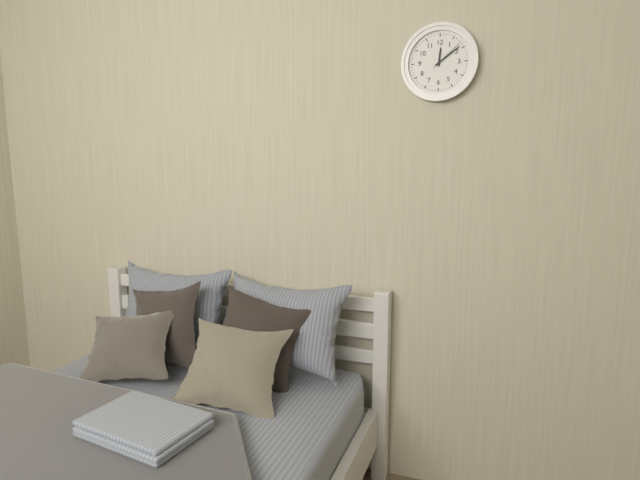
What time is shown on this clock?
12:09
